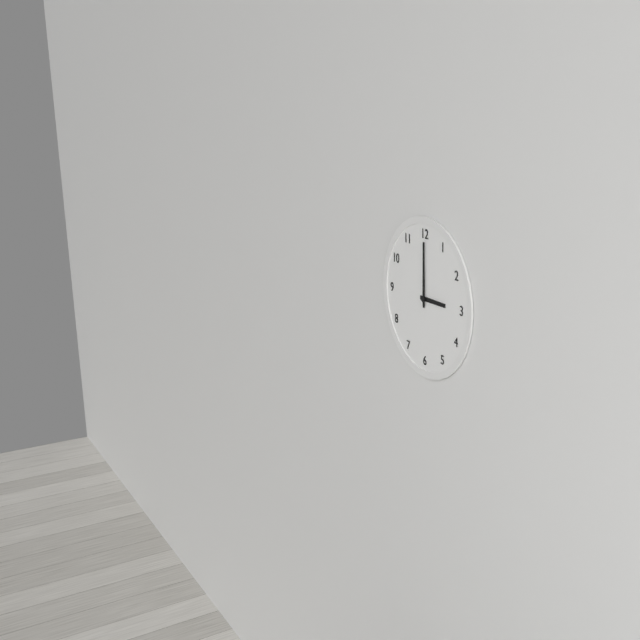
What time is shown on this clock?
3:00
